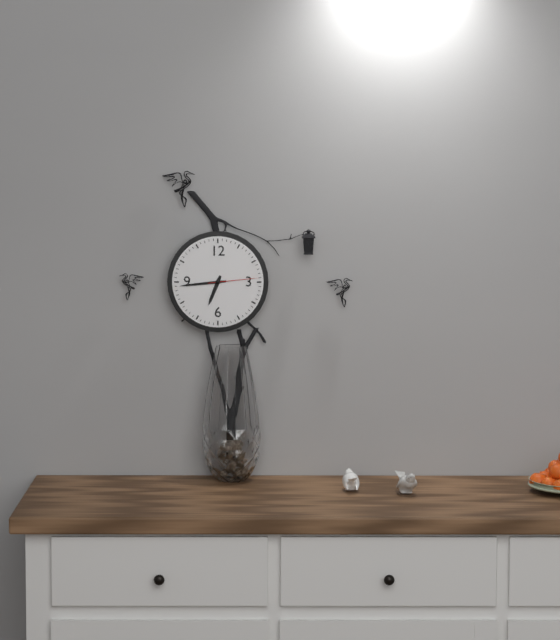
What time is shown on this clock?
6:44:14
